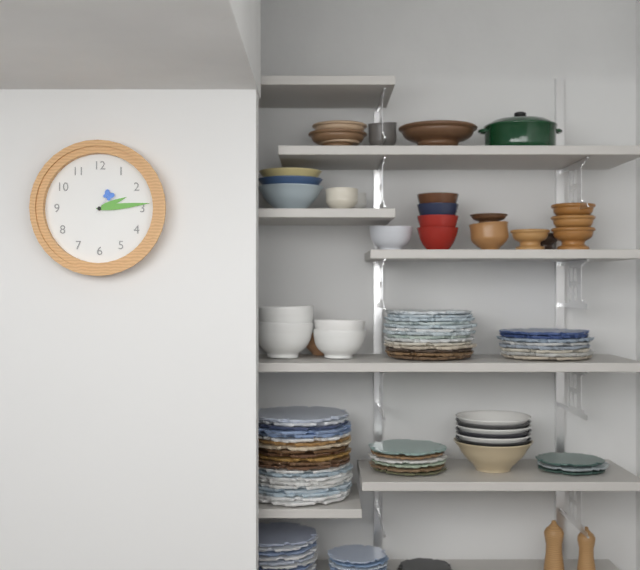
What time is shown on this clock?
2:14
